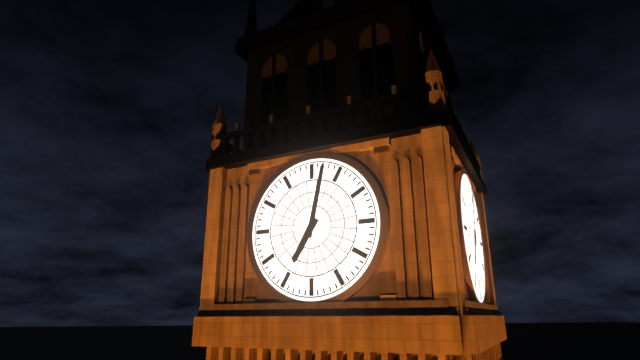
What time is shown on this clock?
7:02
